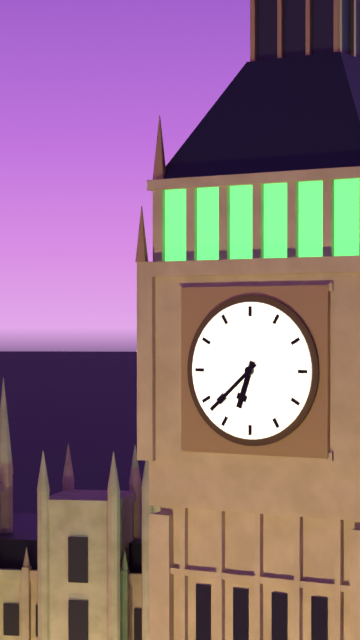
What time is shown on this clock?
6:38
